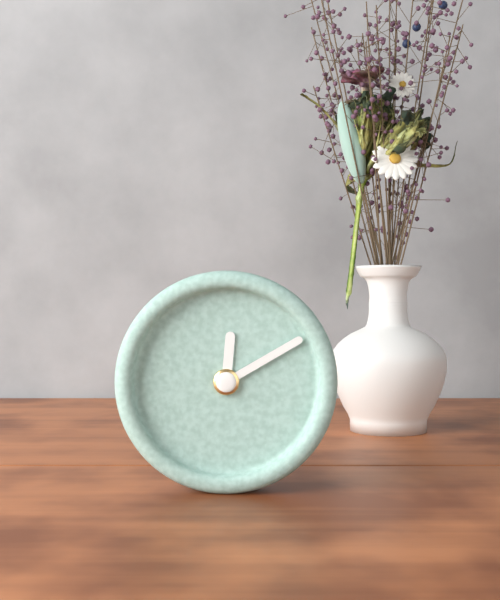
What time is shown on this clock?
12:10
